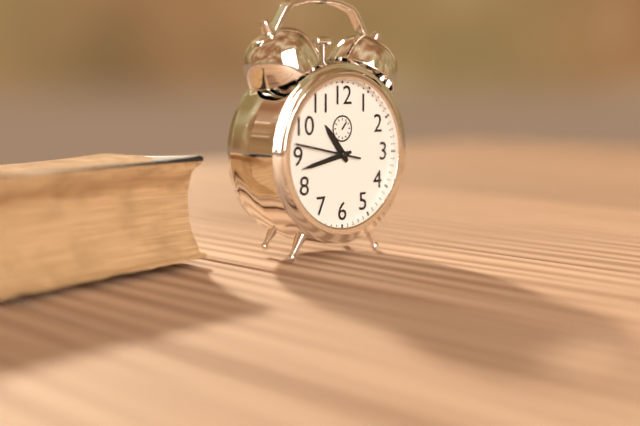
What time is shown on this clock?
10:43:47
